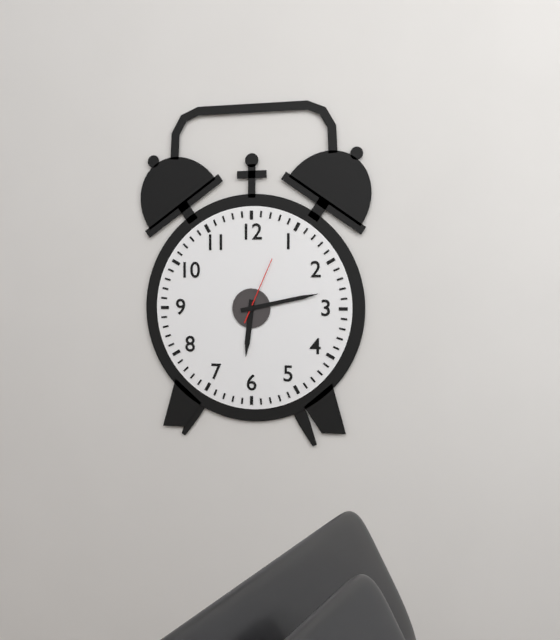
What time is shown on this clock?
6:13:04
